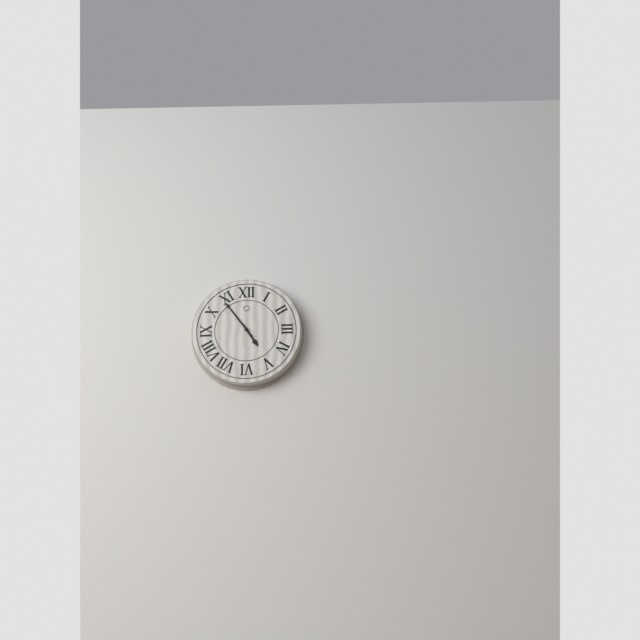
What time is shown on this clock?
4:54
